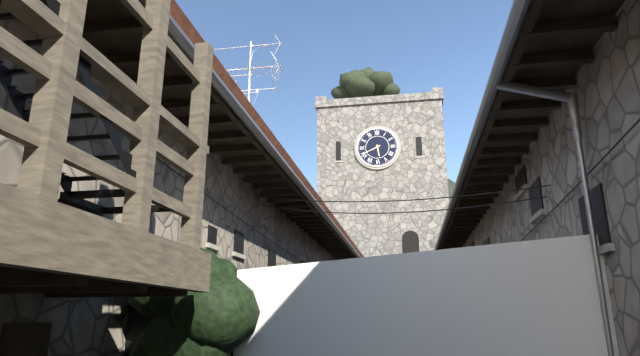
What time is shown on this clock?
5:41
